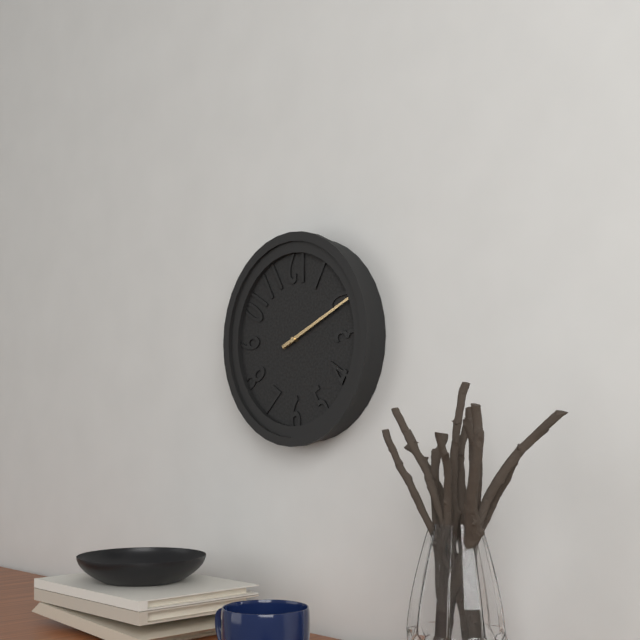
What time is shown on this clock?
2:11
